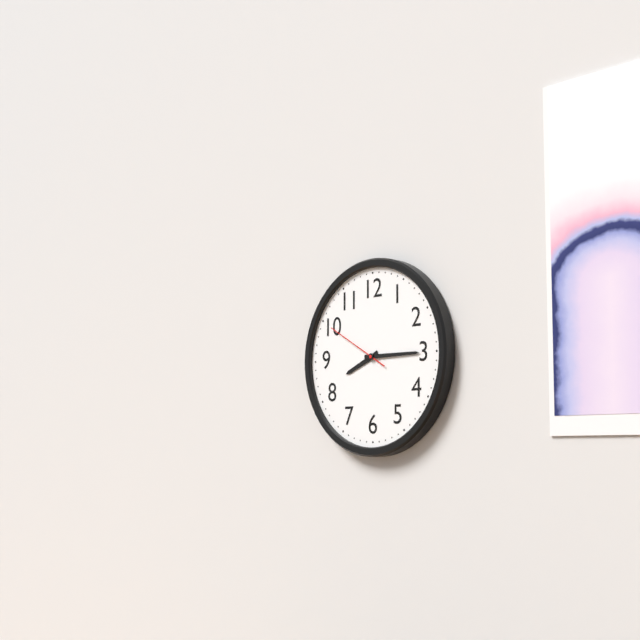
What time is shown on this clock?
8:15:50
